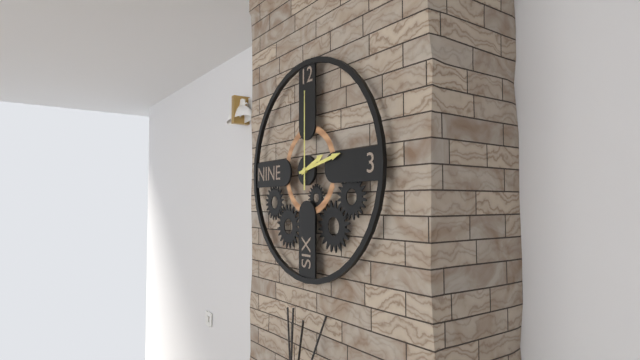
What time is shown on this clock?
2:13:00
